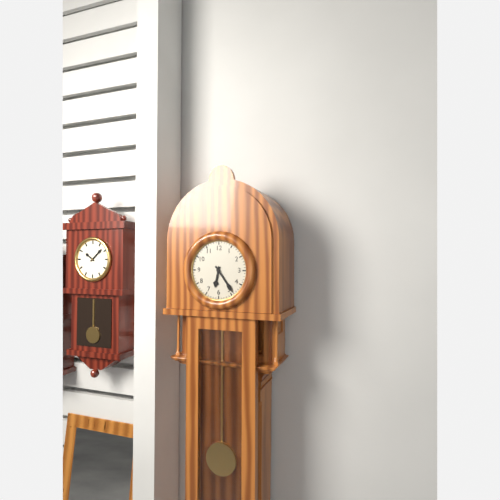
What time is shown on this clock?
6:24
